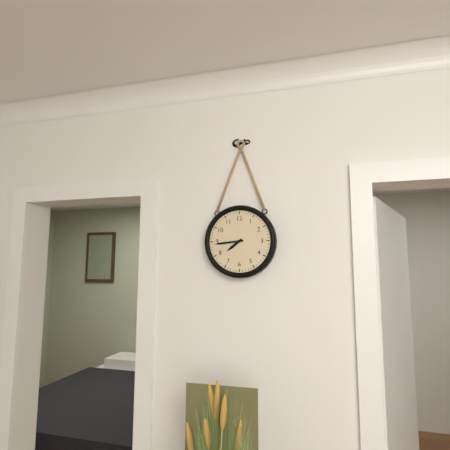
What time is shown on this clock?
7:44
